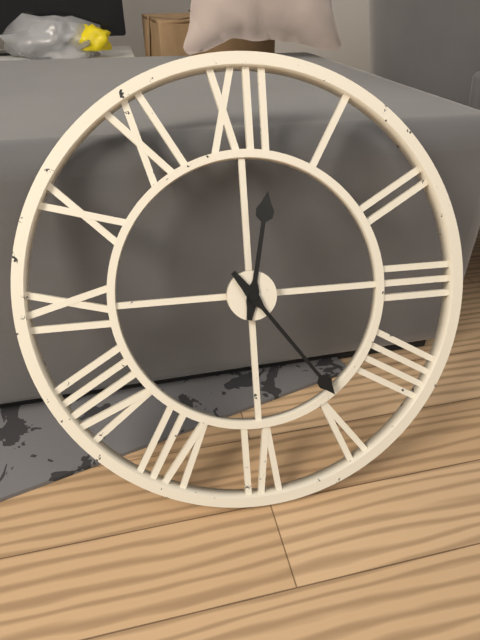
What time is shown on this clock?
12:24
